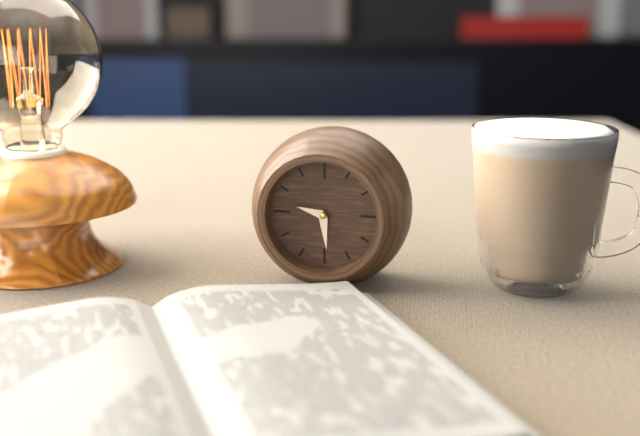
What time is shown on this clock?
9:29
